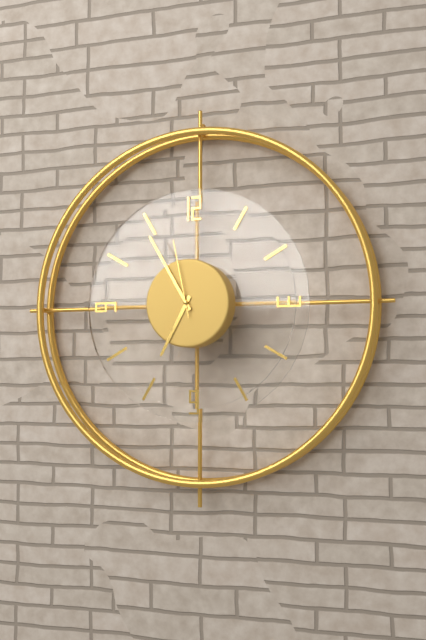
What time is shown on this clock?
6:55:58
